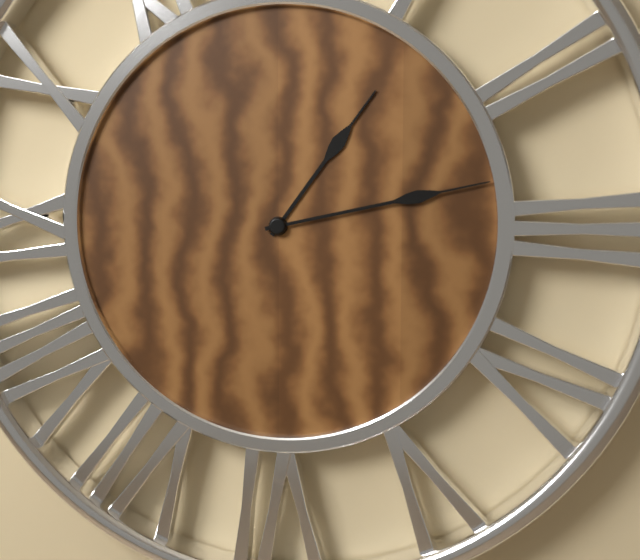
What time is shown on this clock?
1:13
